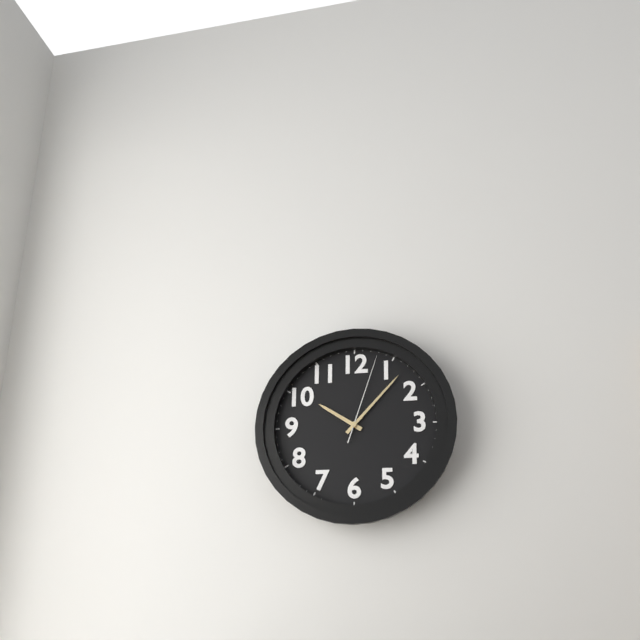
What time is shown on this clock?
10:07:03
